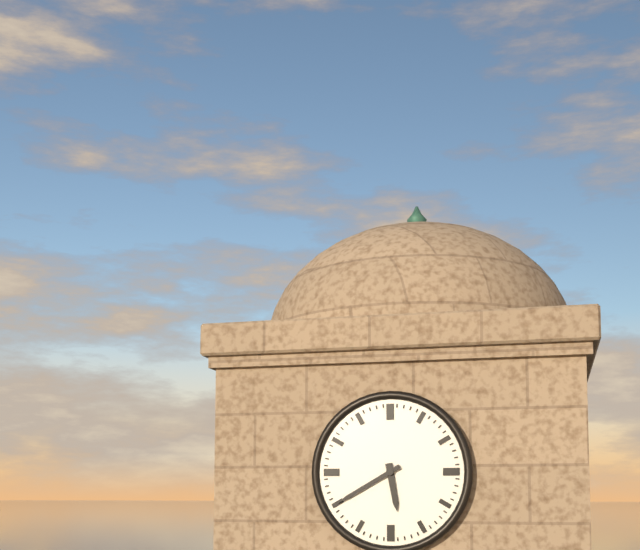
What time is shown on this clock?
5:40
